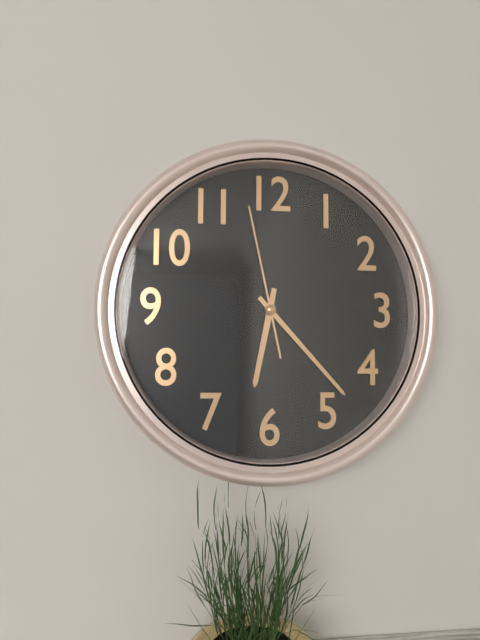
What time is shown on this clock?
6:23:58
